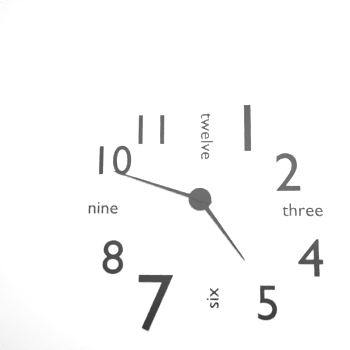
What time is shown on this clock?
4:48
